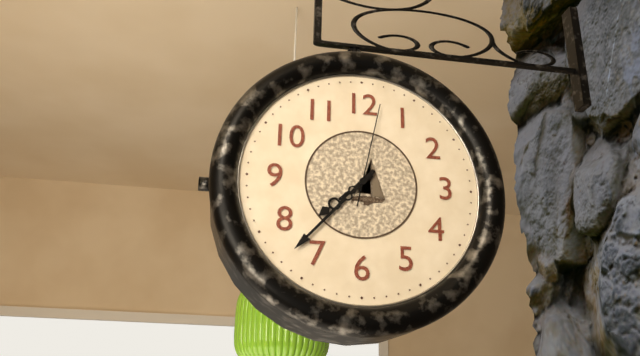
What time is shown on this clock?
7:37:02
